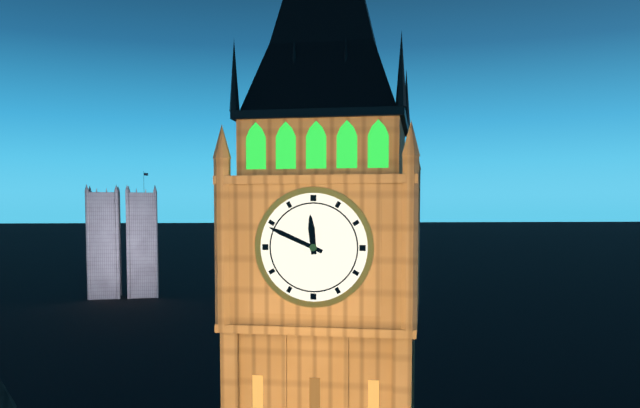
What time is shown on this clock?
11:49
